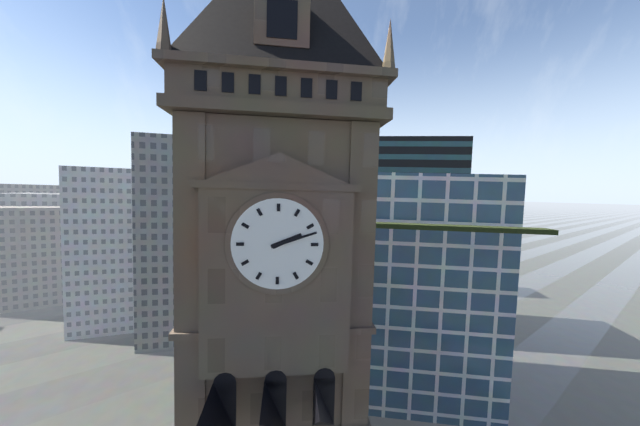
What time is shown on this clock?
2:12
